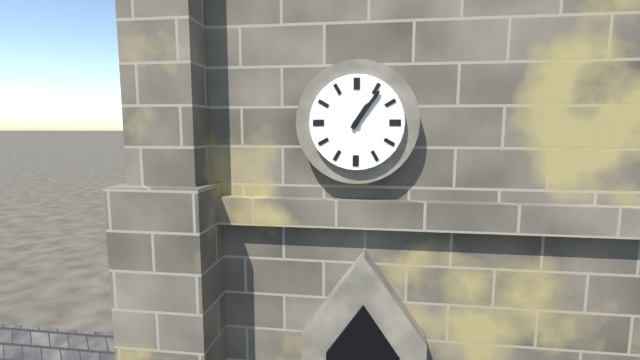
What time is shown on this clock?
1:06
